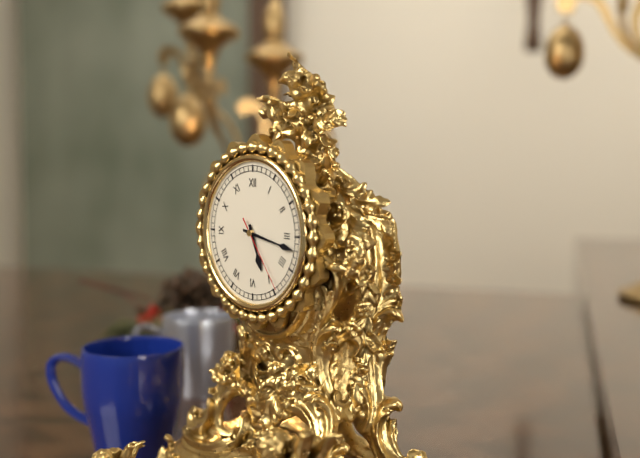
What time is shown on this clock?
5:17:24
